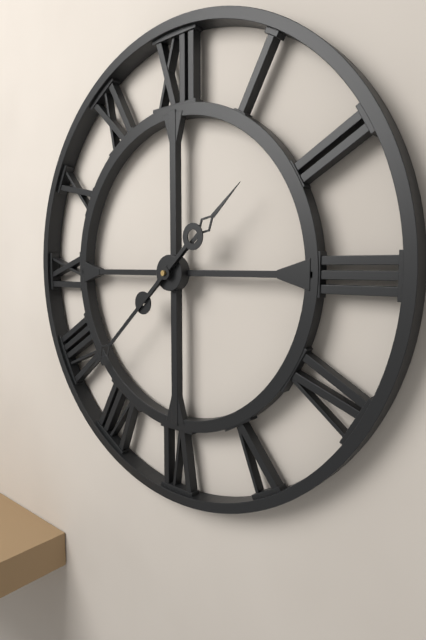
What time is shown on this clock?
1:38
